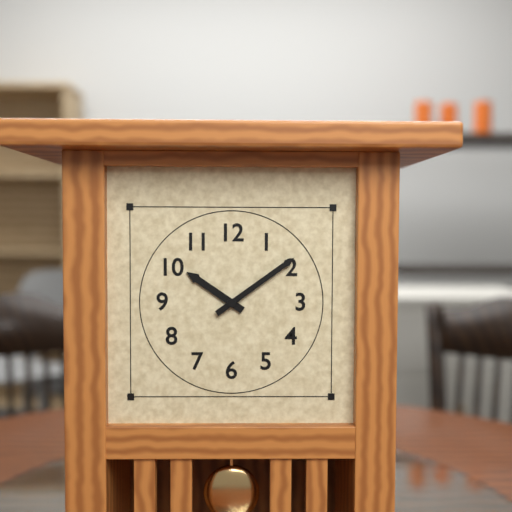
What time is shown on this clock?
10:09
